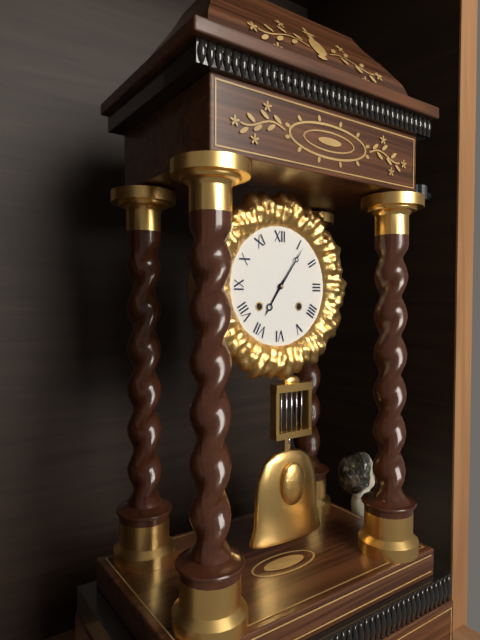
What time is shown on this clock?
7:06
